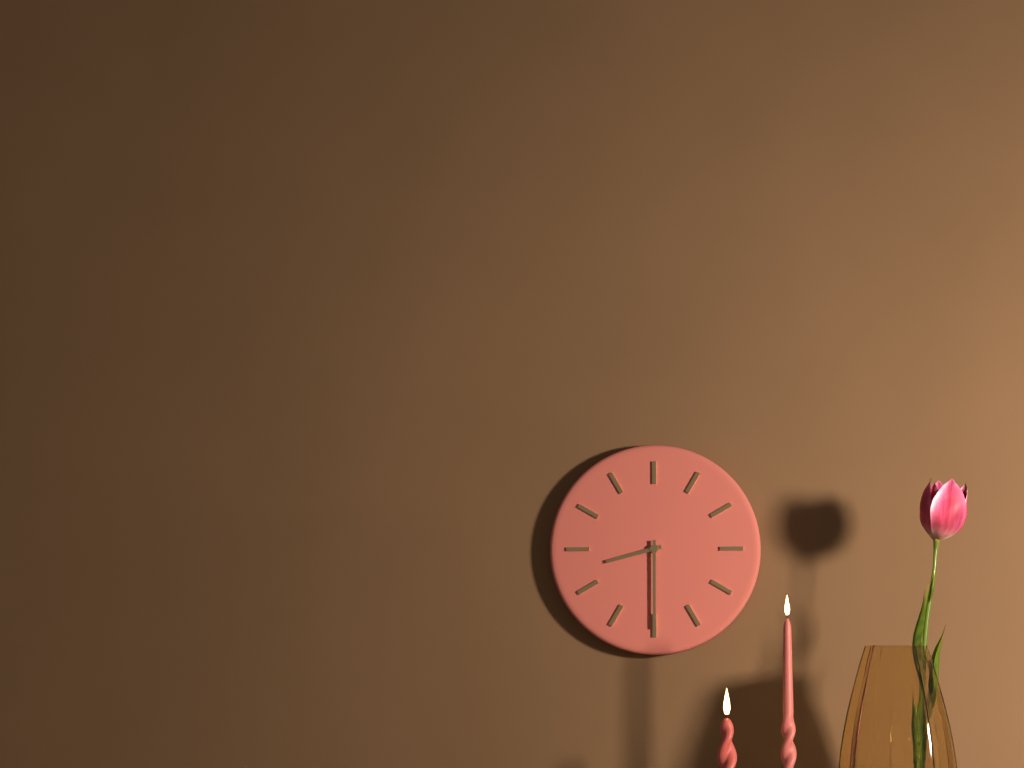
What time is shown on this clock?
8:30
